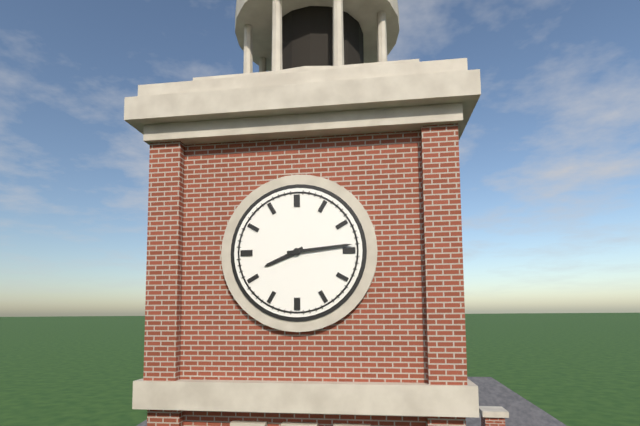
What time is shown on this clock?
8:14
